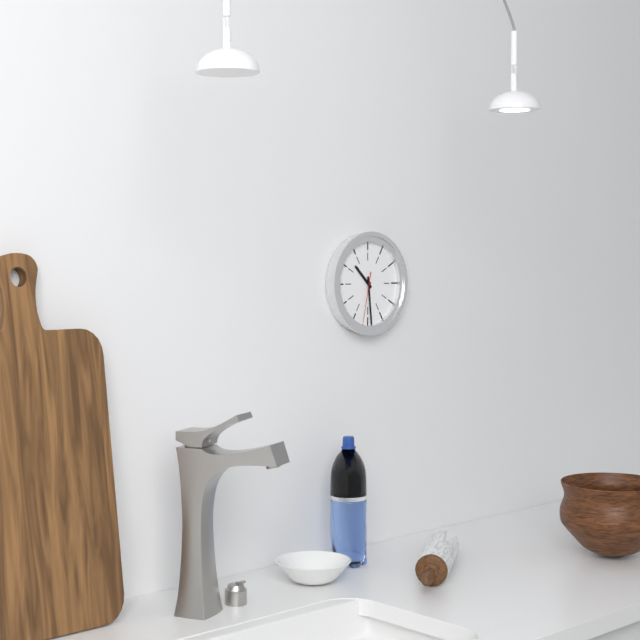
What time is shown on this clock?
10:29:32
